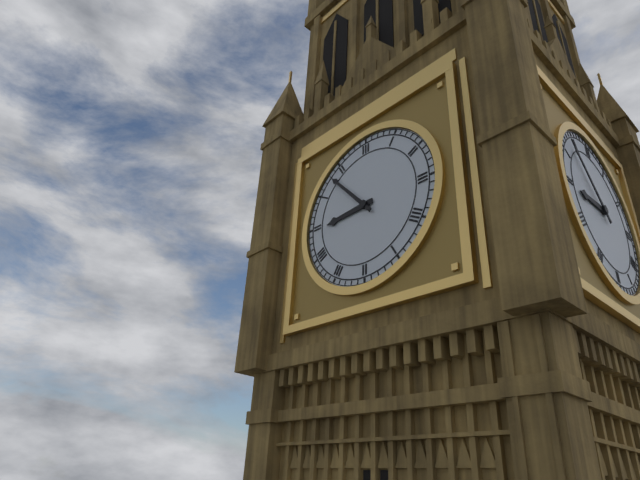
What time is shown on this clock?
8:53
